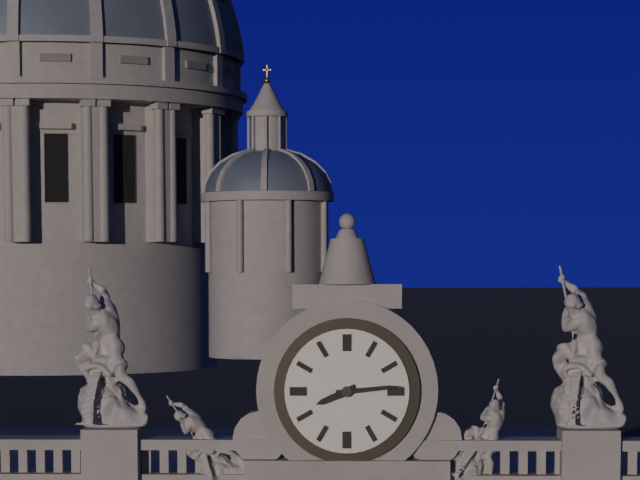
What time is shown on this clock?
8:14
